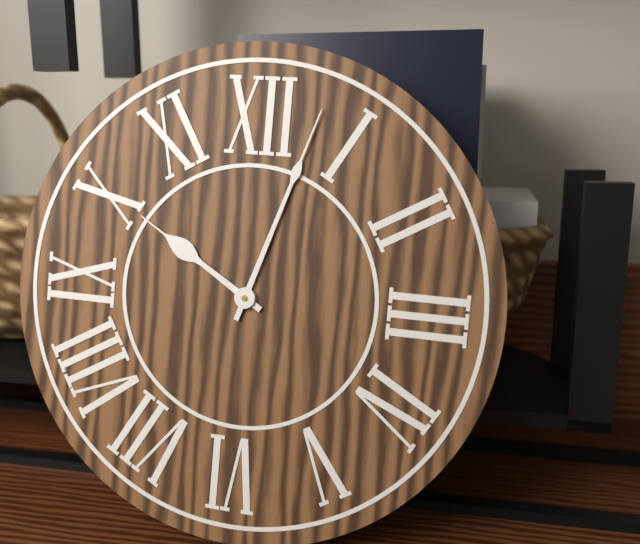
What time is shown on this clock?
10:03
